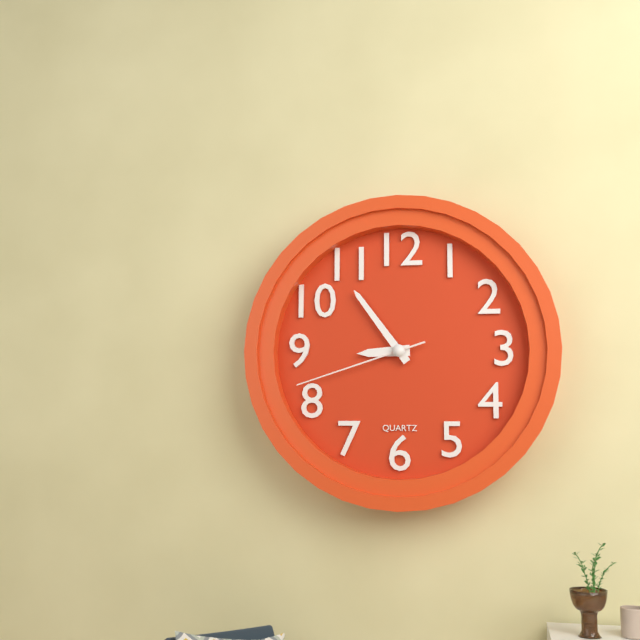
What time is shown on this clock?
8:54:42
